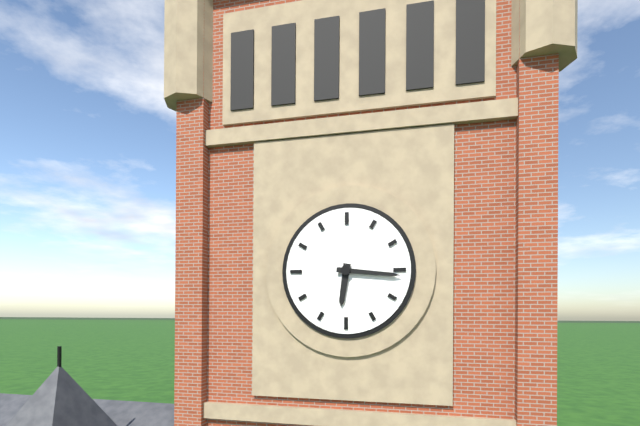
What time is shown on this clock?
6:16
